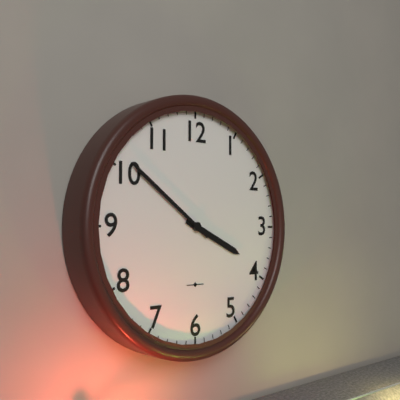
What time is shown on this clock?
3:51
